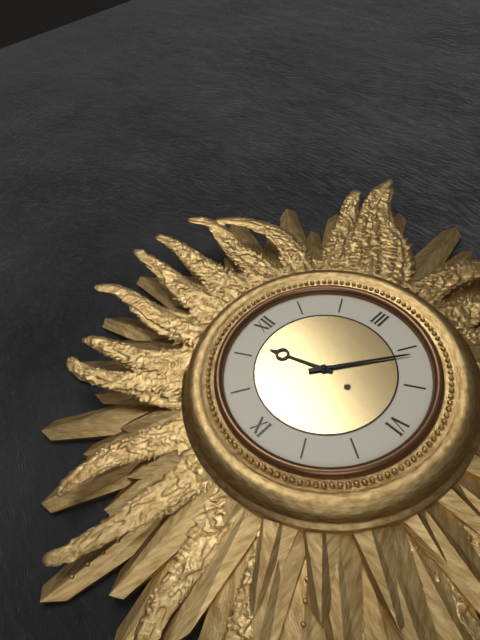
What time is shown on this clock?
11:21
